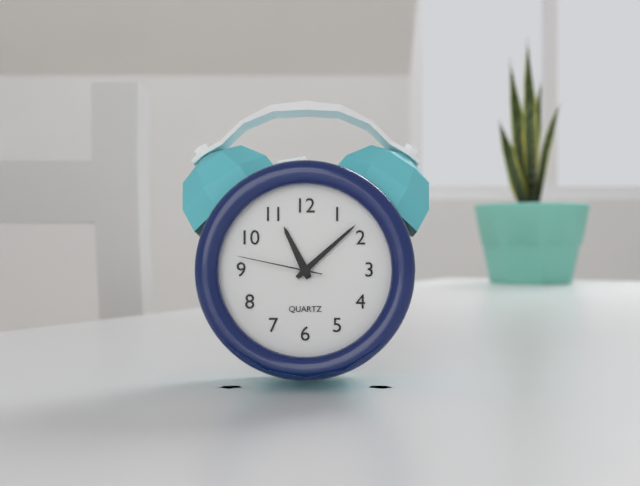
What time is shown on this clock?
11:08:47
